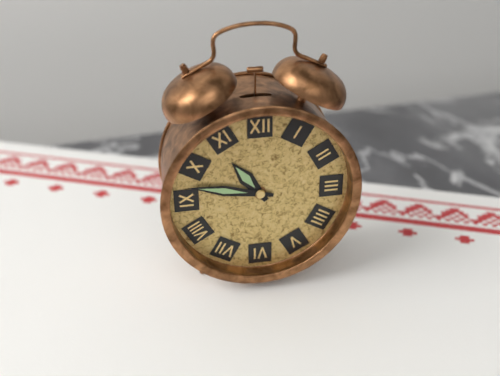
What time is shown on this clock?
10:47
